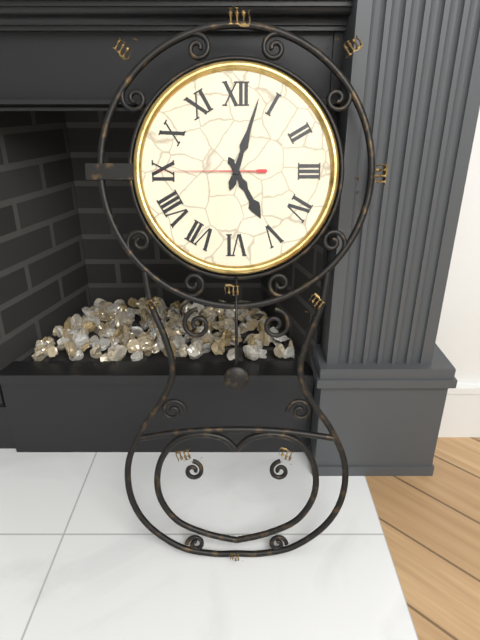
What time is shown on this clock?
5:03:45
